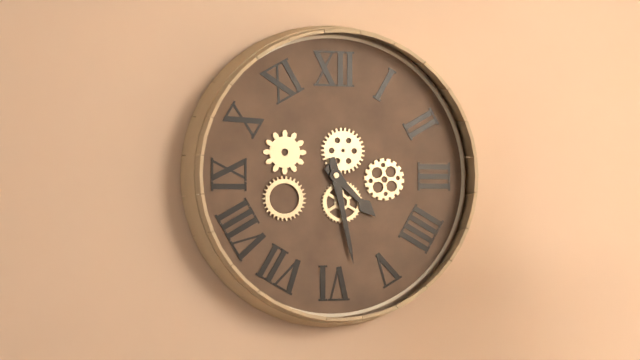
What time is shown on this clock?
4:28
